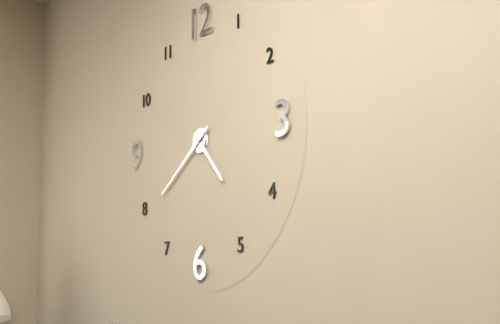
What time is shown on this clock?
4:39
